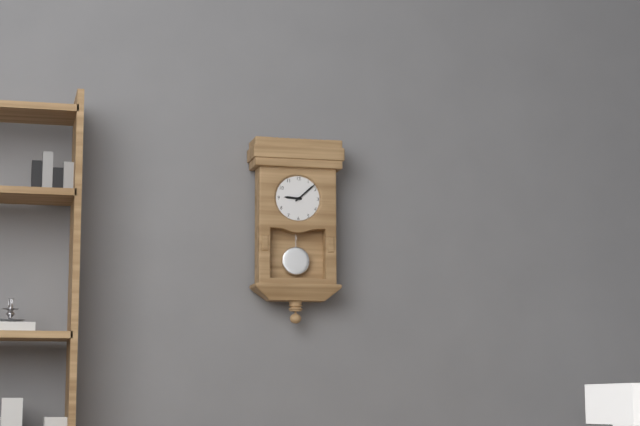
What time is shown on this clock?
9:08
